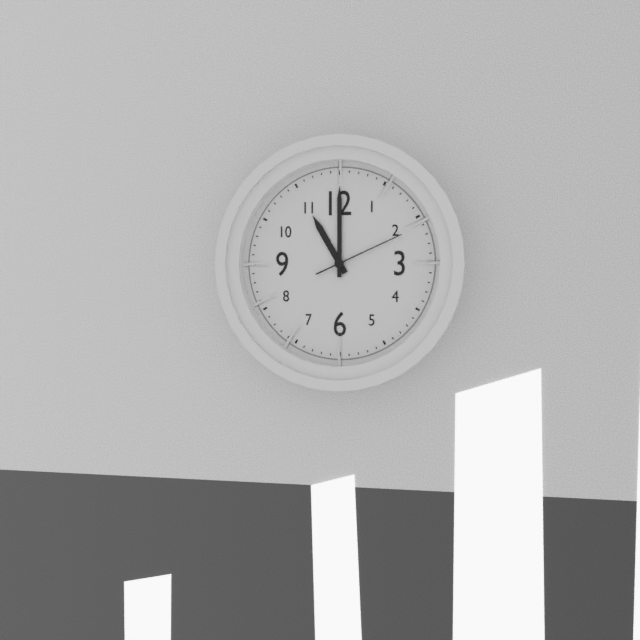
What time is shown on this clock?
11:00:11
